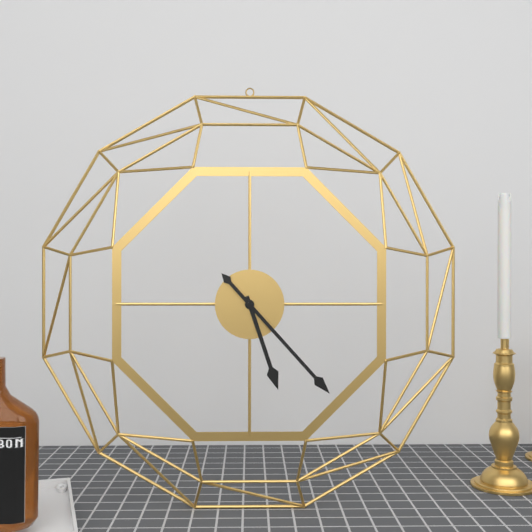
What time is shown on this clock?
5:23
